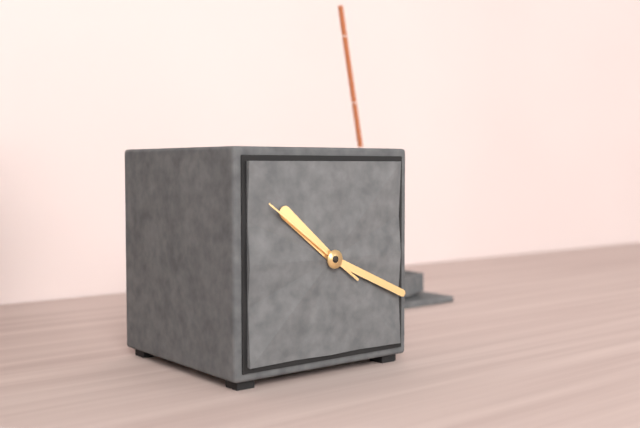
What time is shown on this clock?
10:19:51
